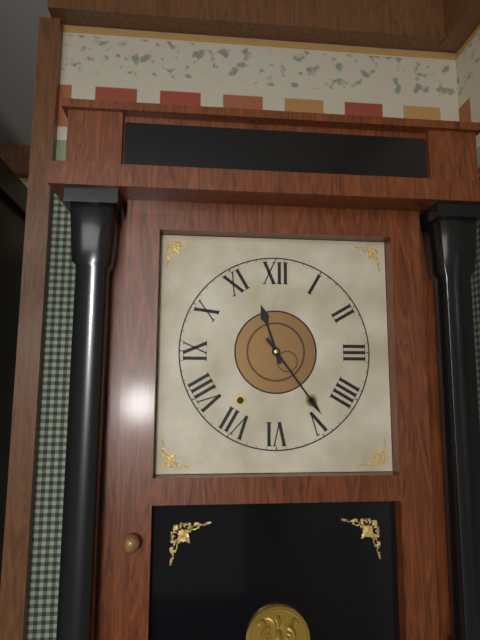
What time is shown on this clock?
11:24
